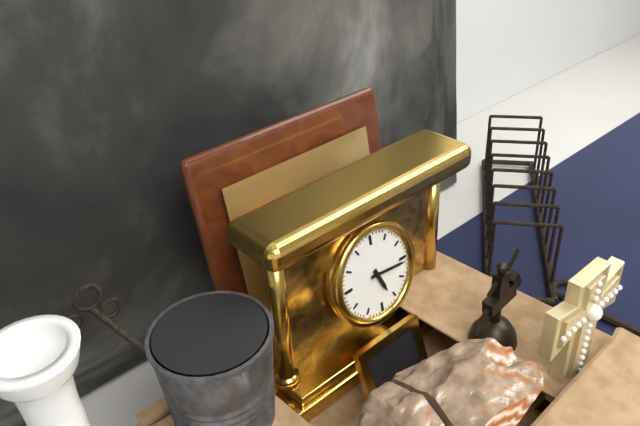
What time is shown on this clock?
5:16
